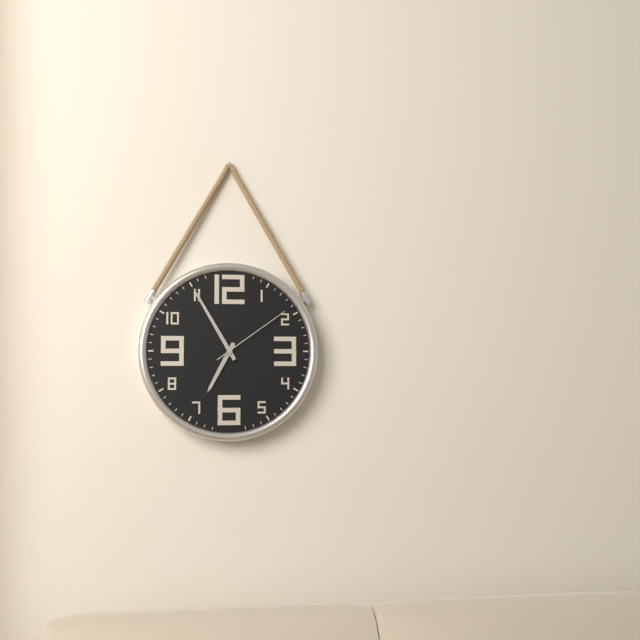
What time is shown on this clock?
6:55:09
